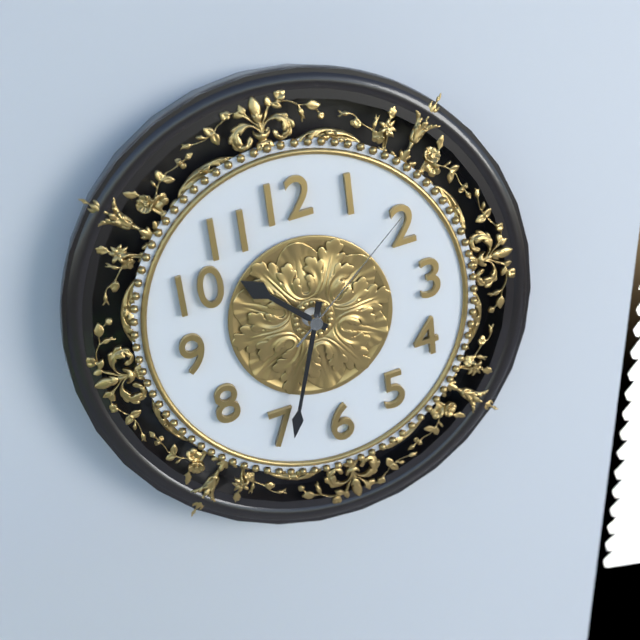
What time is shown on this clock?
10:34:09
